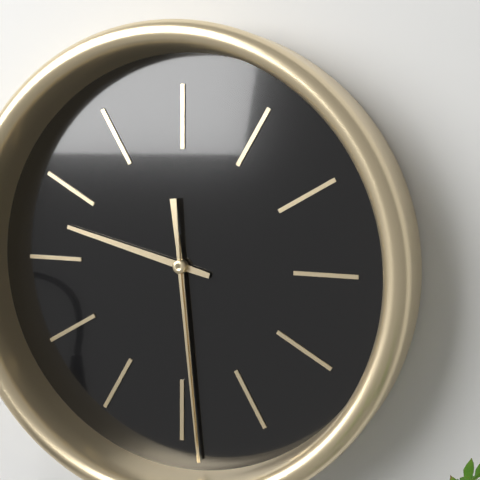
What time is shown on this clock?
9:29:29
